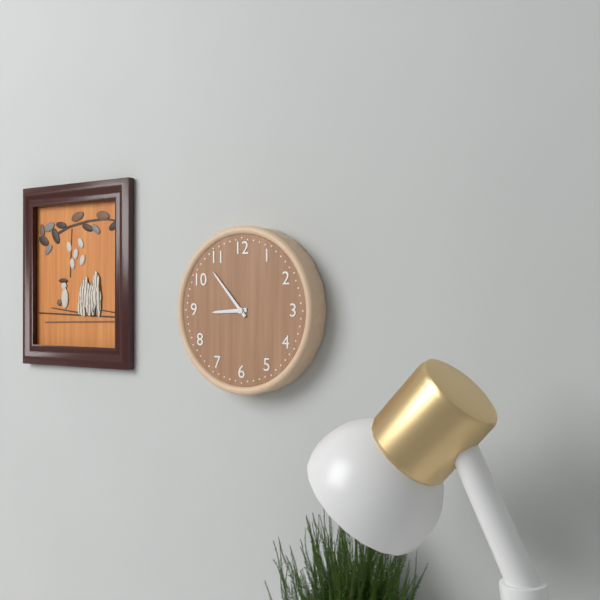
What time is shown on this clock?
8:53
